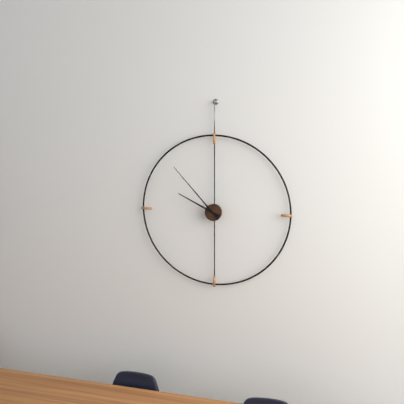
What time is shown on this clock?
9:53
